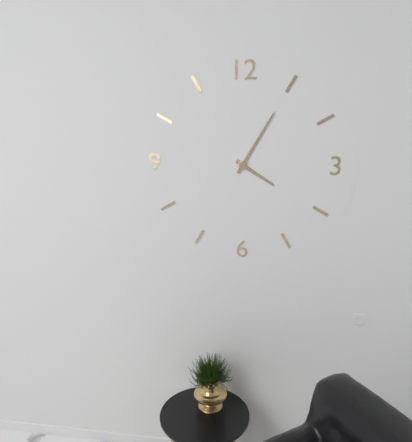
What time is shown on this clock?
4:05
